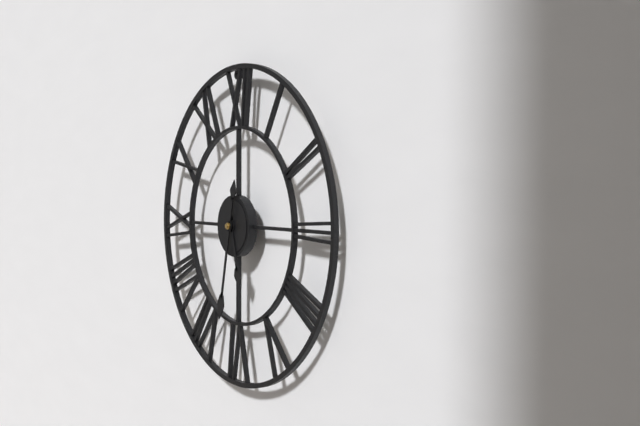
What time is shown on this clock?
5:32
